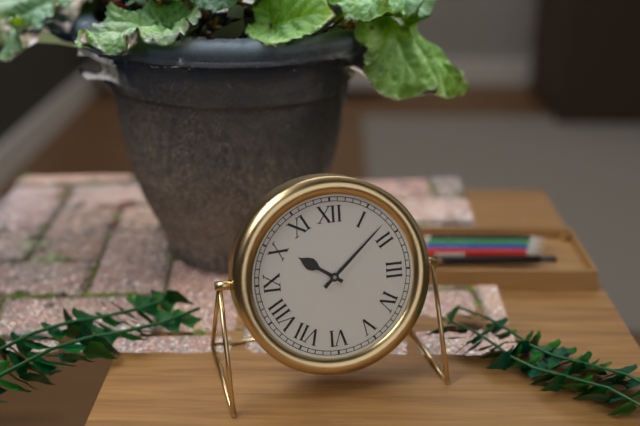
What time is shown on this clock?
10:08
